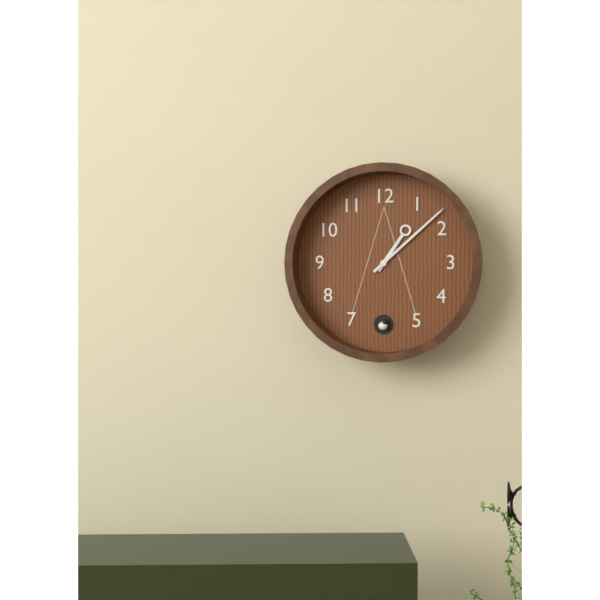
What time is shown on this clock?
1:08
